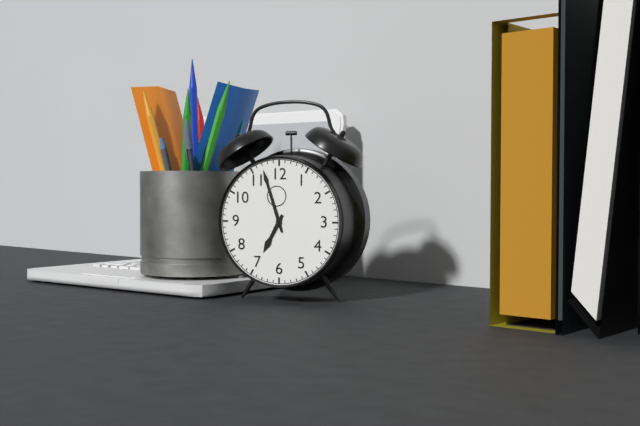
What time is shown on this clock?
6:57
